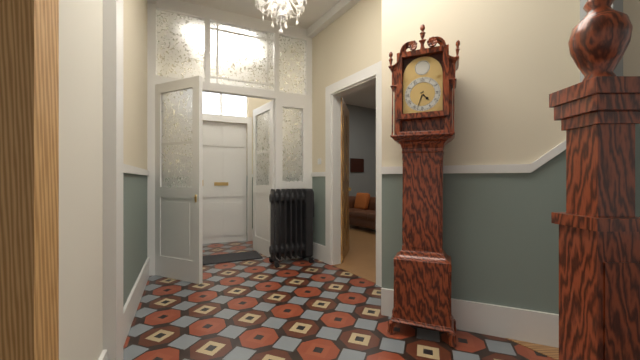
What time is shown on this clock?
4:33
